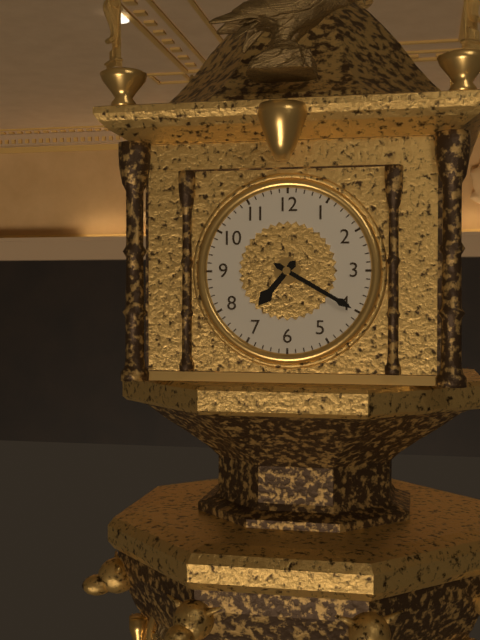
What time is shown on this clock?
7:20
